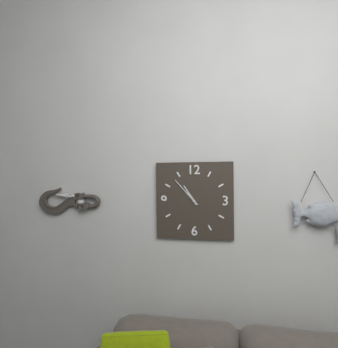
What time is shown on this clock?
10:53
